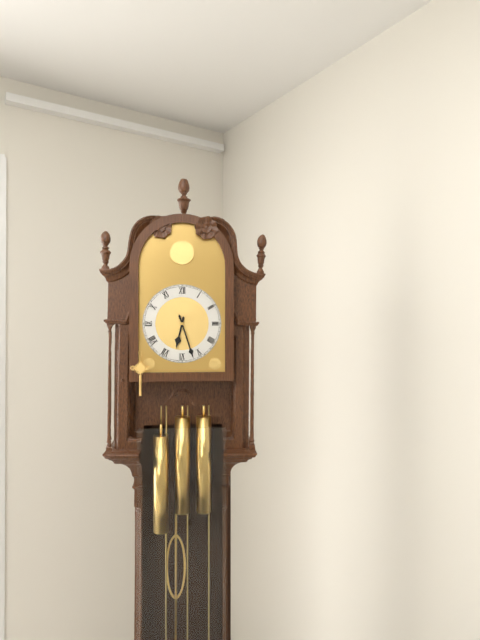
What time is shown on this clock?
6:27
